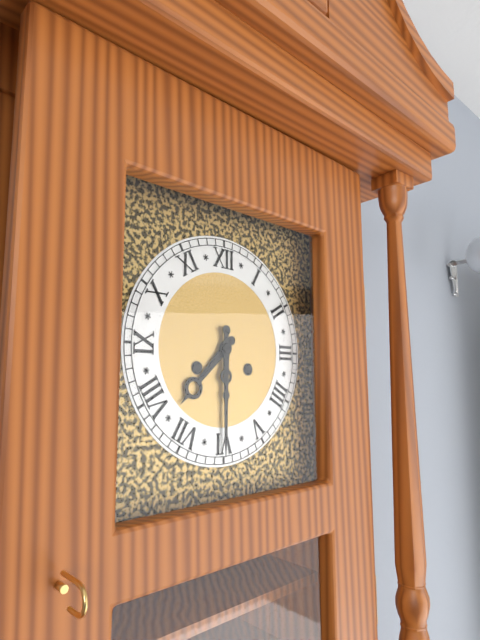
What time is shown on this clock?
7:30
